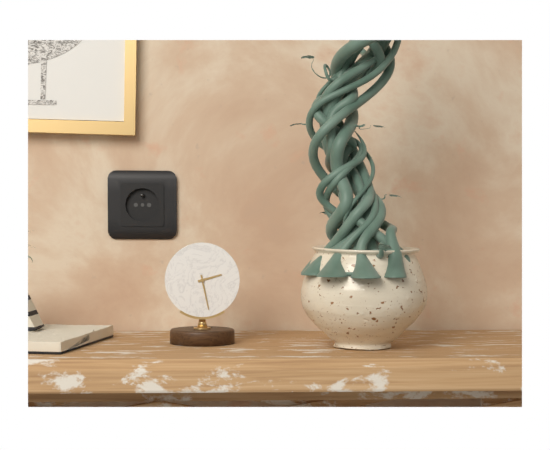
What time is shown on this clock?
2:28
